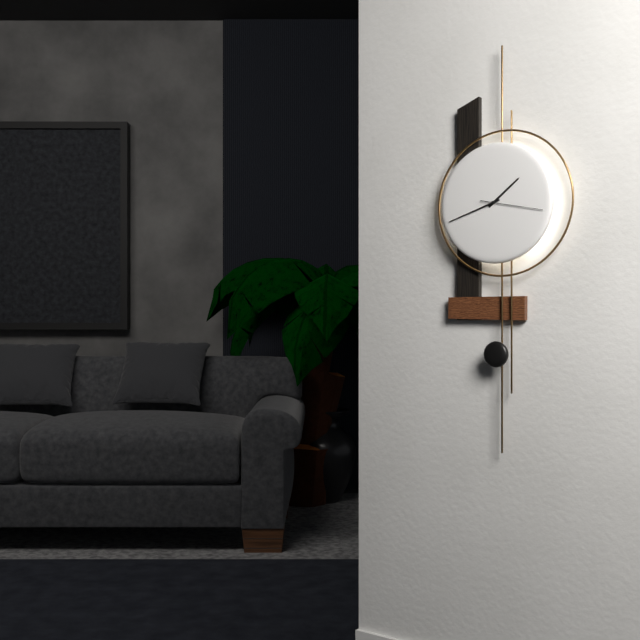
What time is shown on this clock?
1:42:17
